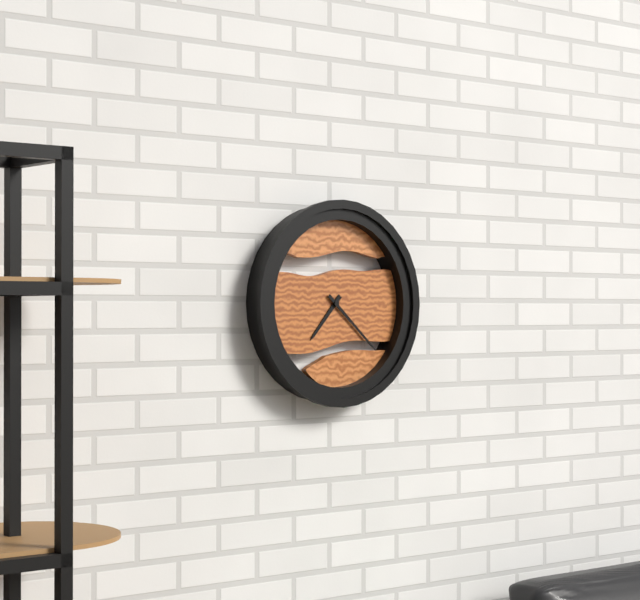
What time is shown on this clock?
7:22
